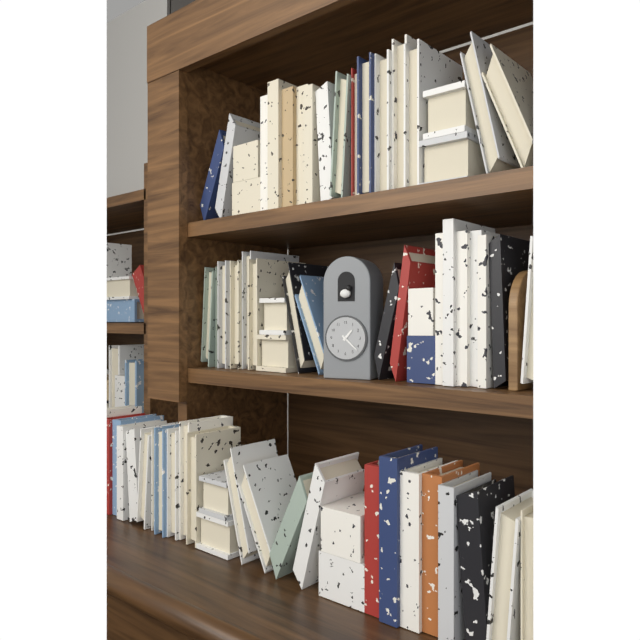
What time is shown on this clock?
1:22
